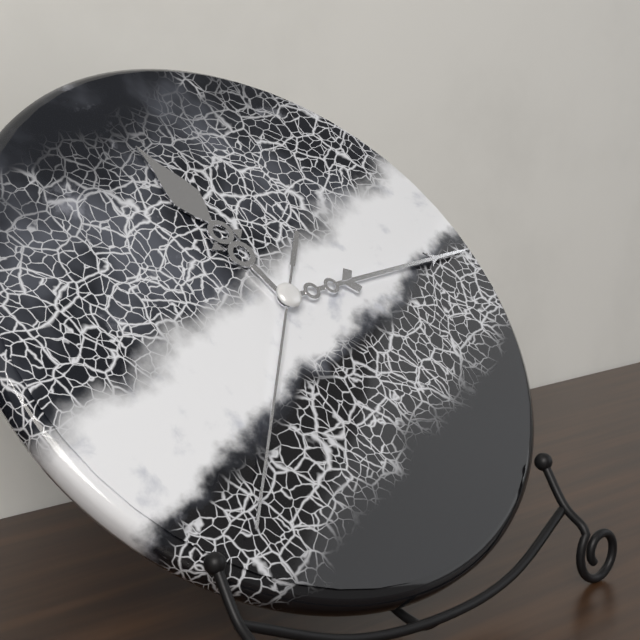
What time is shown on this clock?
11:14:36
